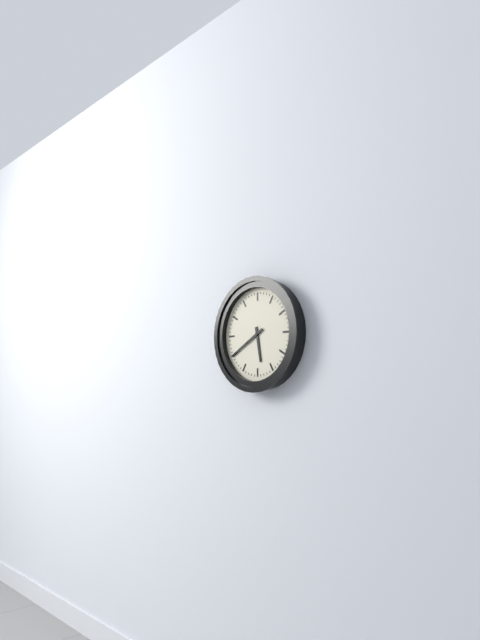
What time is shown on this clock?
5:40
